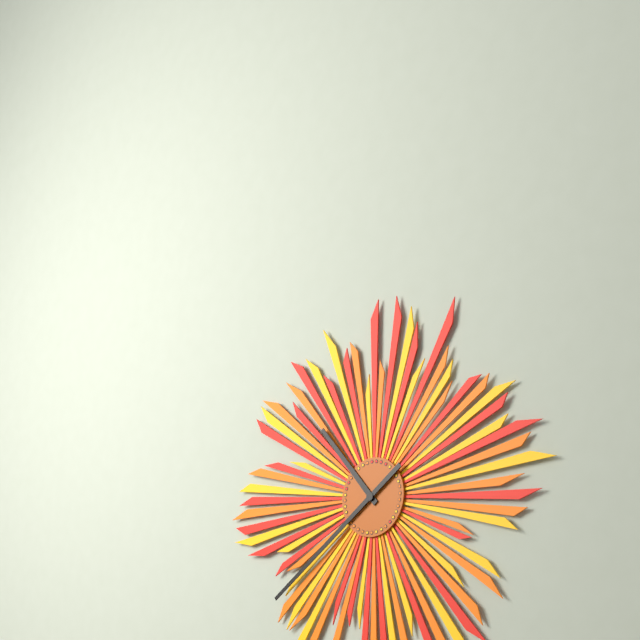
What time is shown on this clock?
10:39
